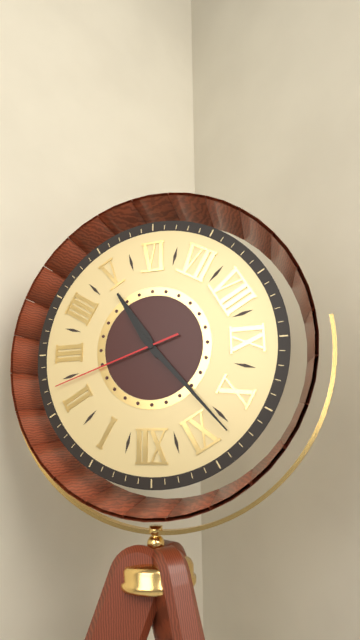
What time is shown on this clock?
4:53:12
